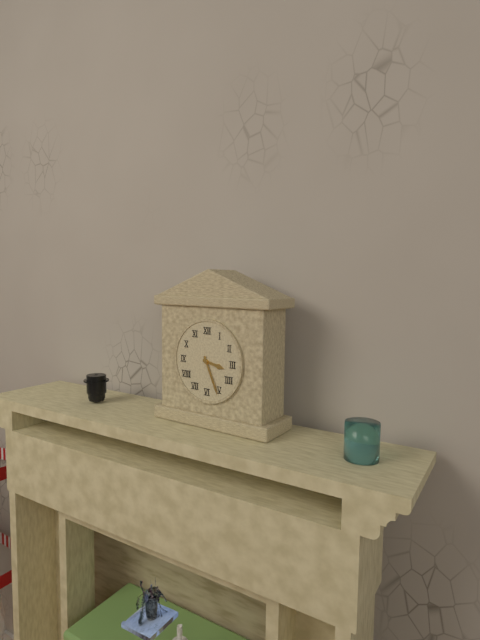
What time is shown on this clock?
3:26
